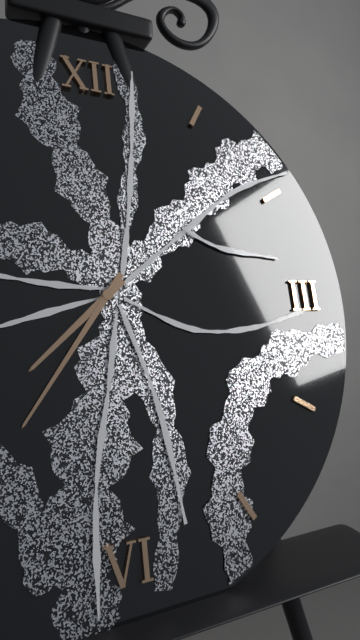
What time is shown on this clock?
7:36
